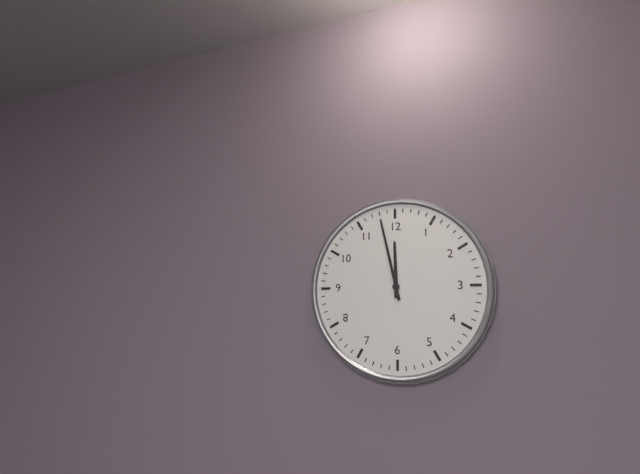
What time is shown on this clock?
11:58
